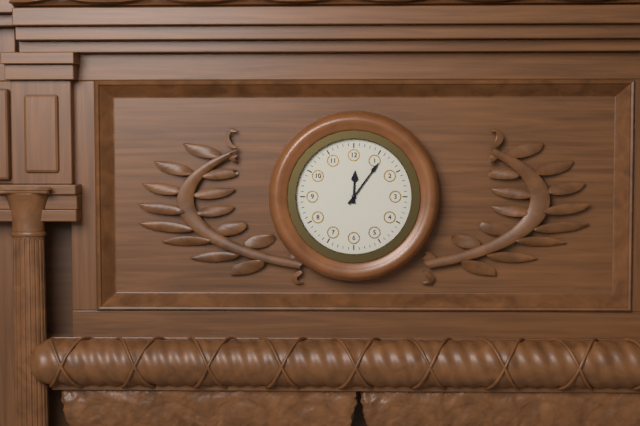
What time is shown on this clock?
12:06
